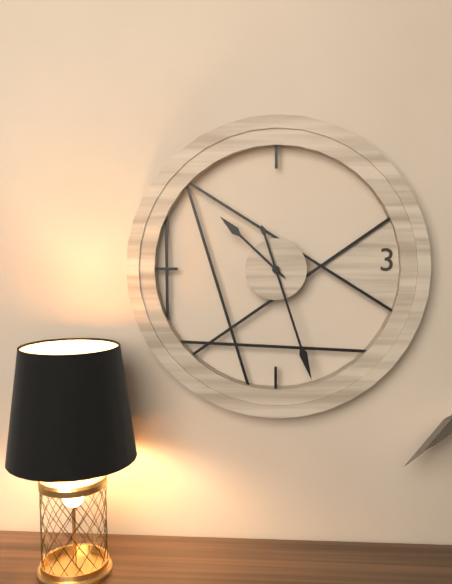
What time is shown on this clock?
10:27
